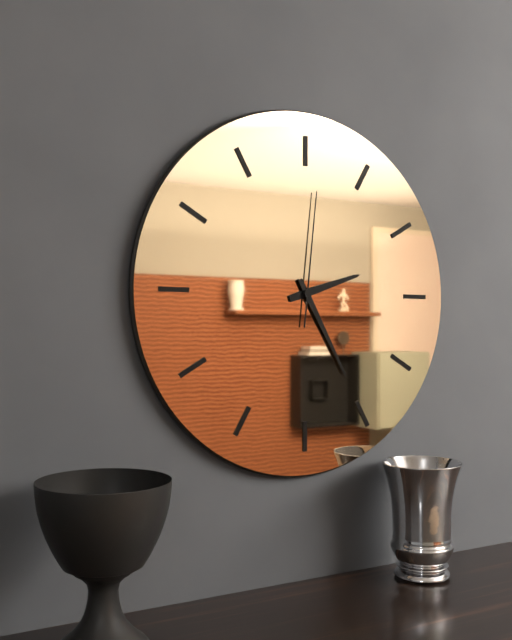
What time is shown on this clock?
2:25:01
